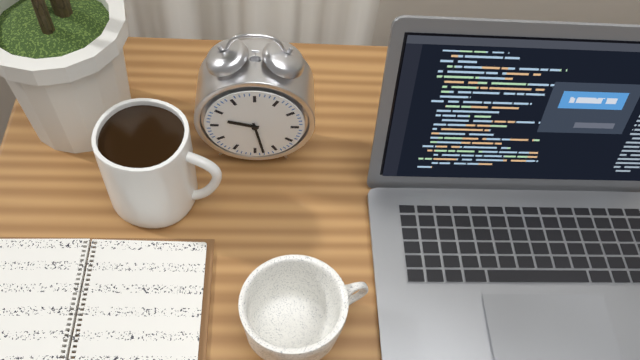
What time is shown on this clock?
9:28
